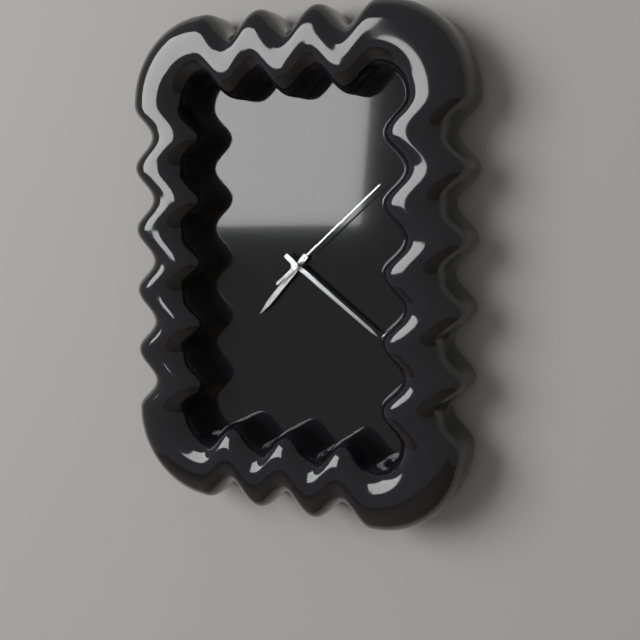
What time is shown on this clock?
7:21:08
